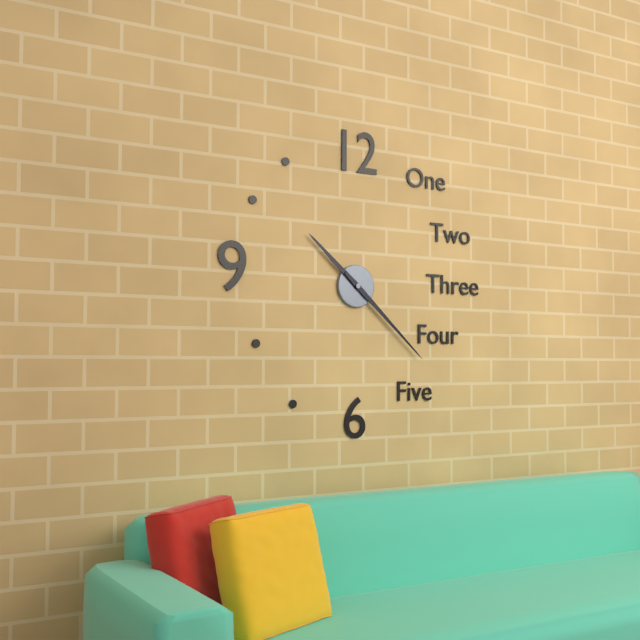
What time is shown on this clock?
10:22
